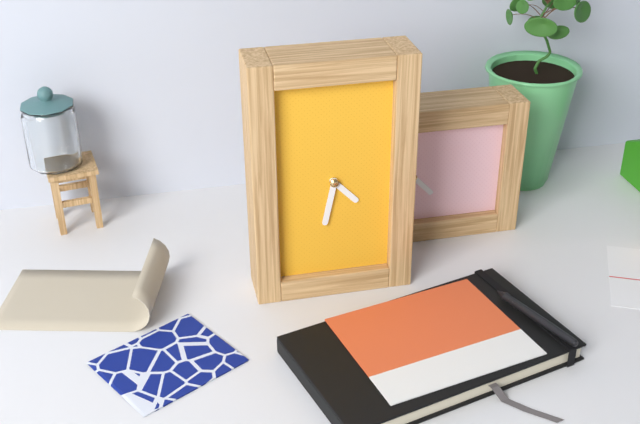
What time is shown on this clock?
4:32
